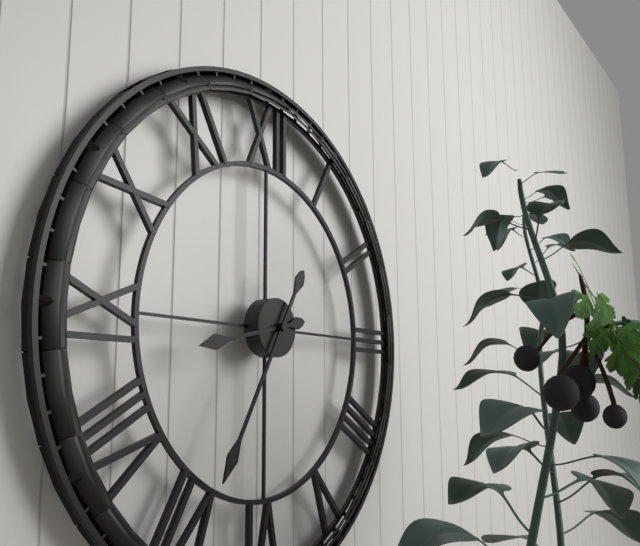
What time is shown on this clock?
8:35
